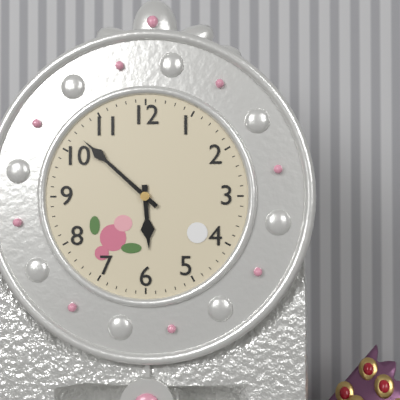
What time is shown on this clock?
5:52
